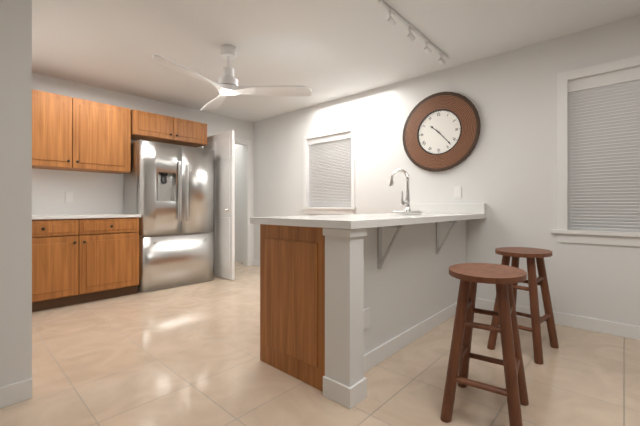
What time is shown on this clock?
10:23
